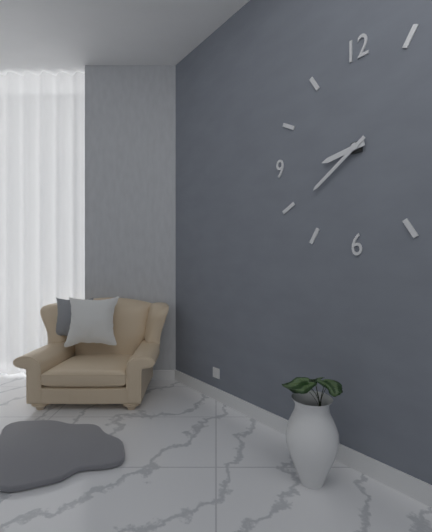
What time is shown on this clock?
8:39
